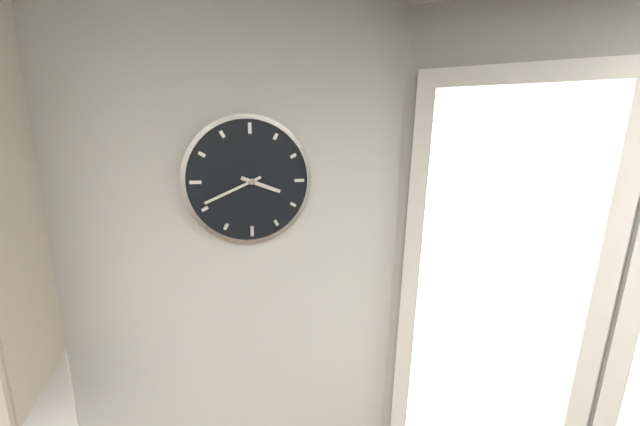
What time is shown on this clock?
3:41
